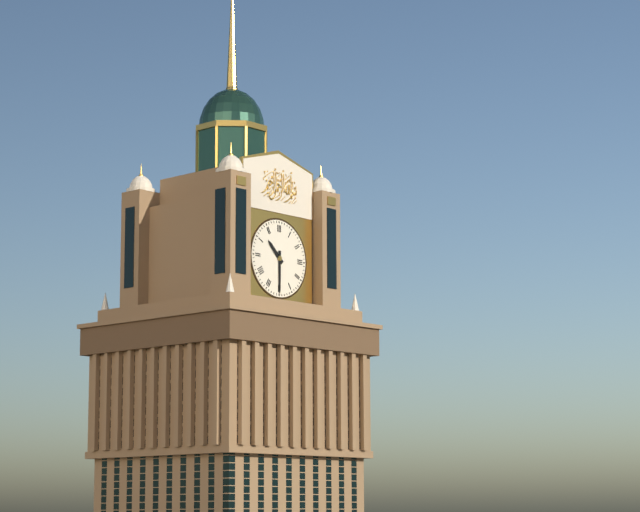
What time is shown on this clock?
10:30
